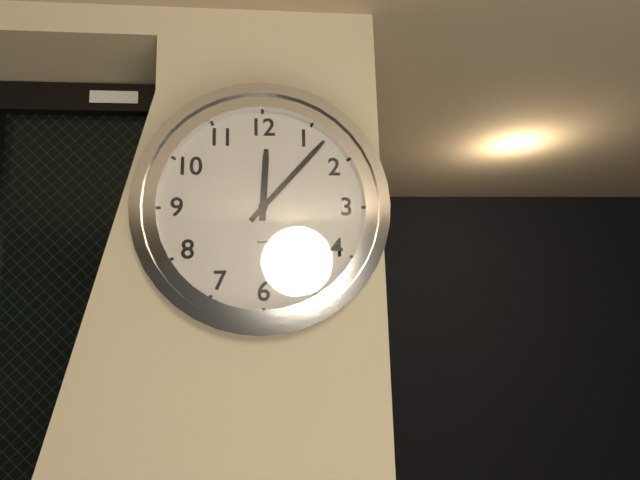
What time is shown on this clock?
12:07
